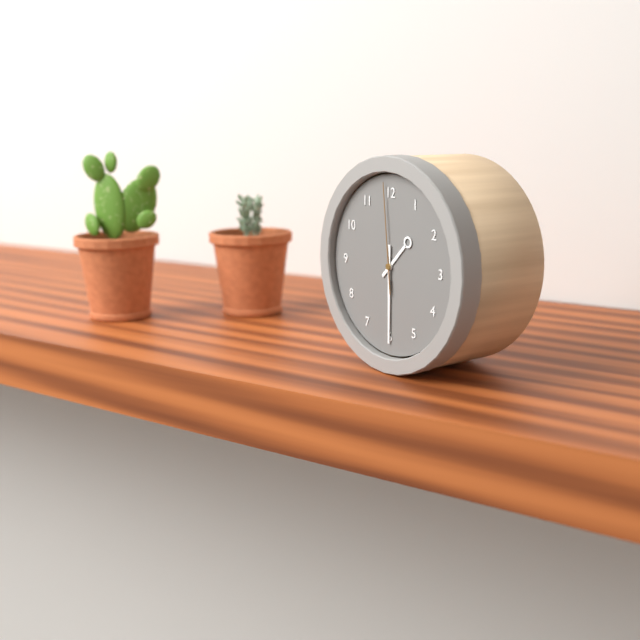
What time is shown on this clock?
1:30:59
